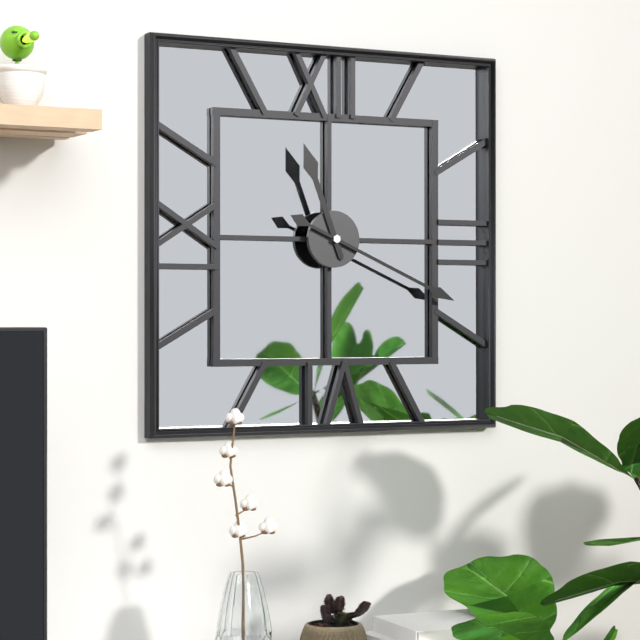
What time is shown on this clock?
11:19
